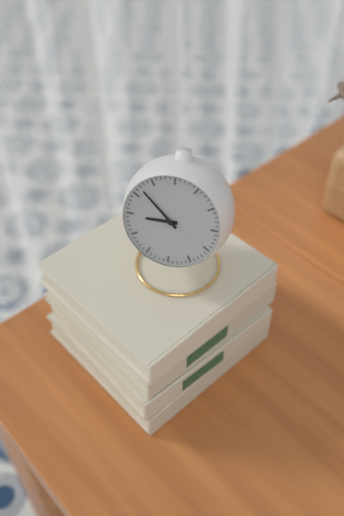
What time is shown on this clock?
8:52
